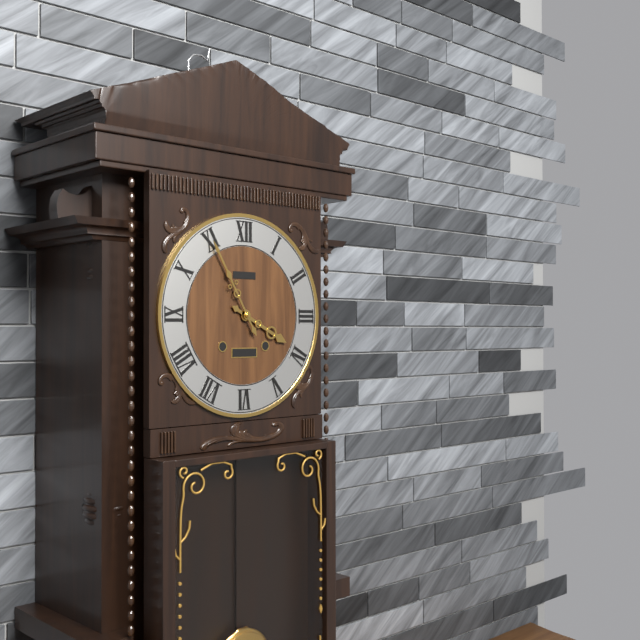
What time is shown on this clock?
3:55
